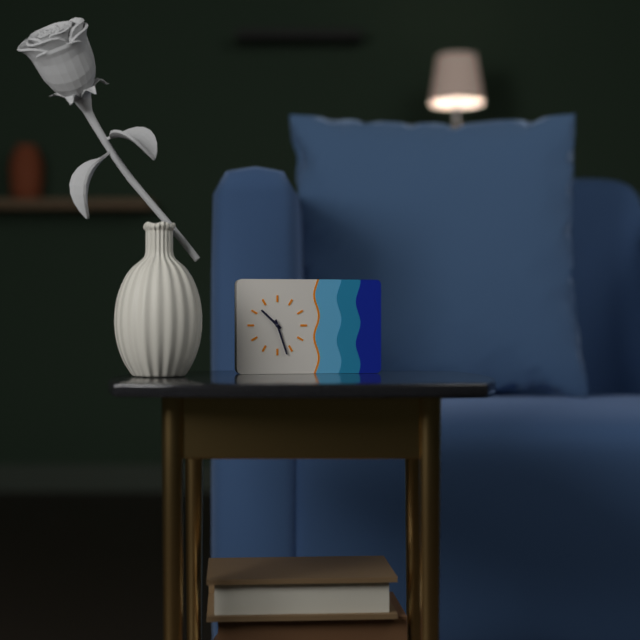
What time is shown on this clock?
10:27
